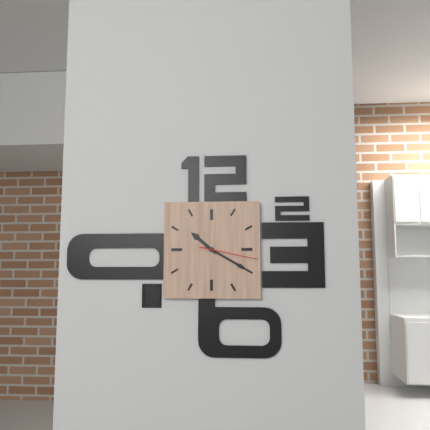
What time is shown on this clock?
10:20:17
